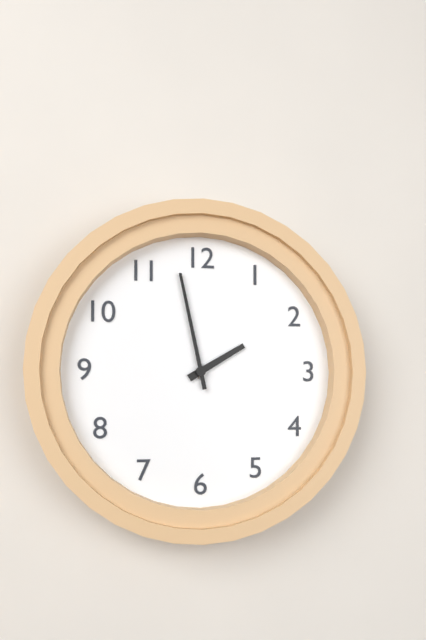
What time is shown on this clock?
1:58
